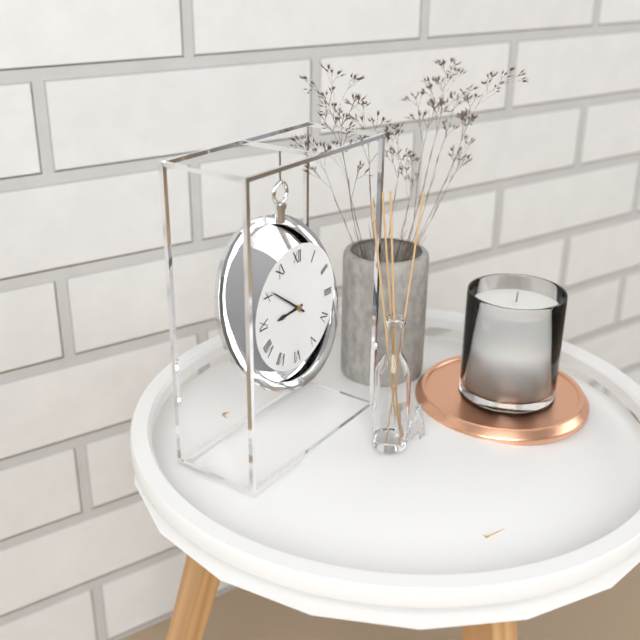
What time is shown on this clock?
8:51
